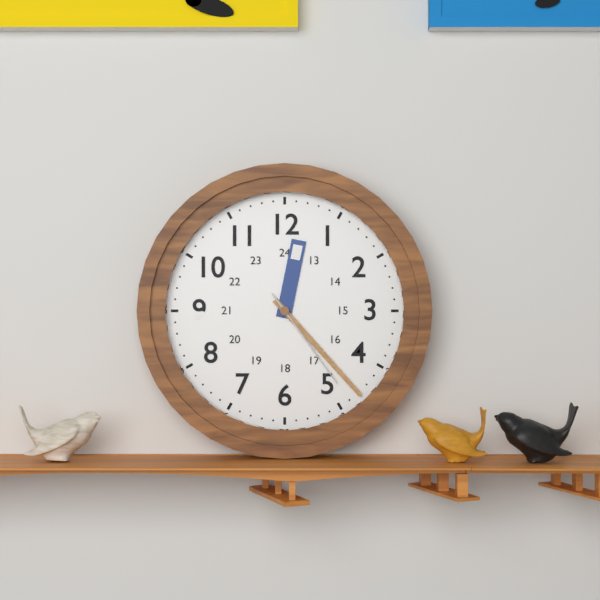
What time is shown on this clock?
12:23:24
